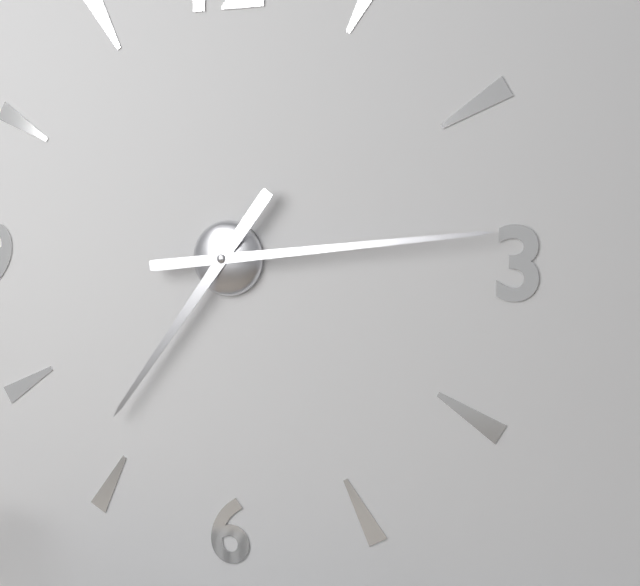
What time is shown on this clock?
7:14
